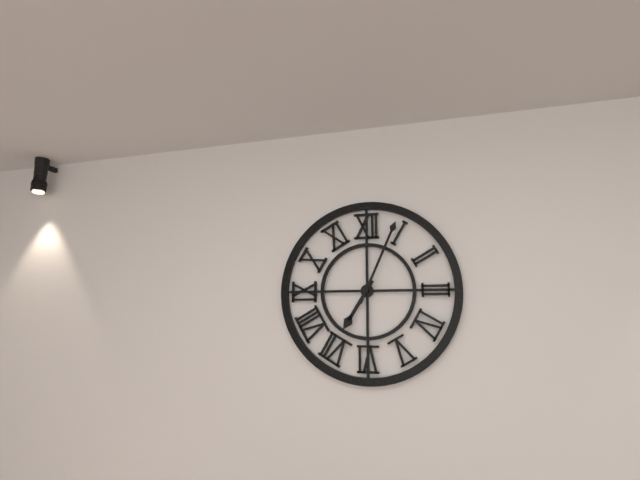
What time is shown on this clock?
7:04
